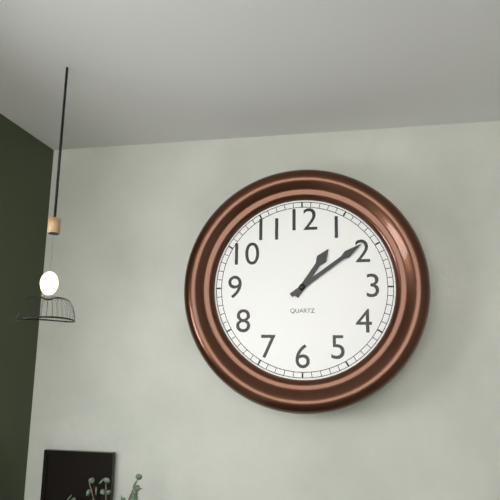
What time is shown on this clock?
1:09
